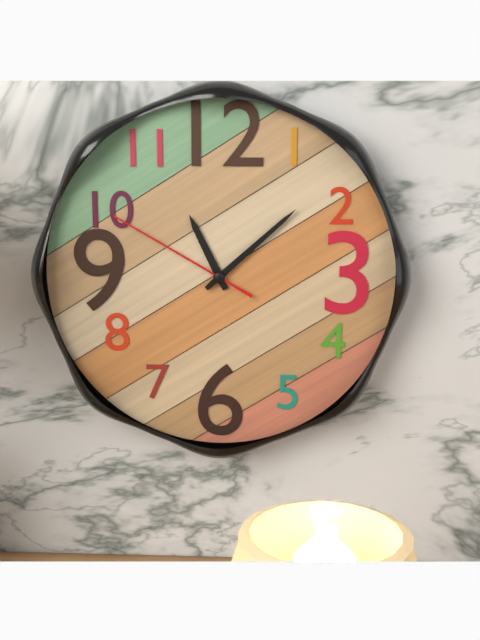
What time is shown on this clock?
11:08:50
